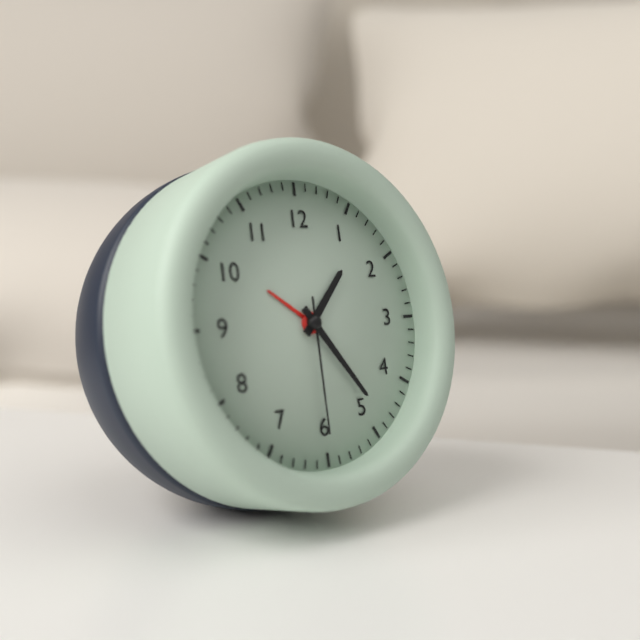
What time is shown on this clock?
1:24:30
